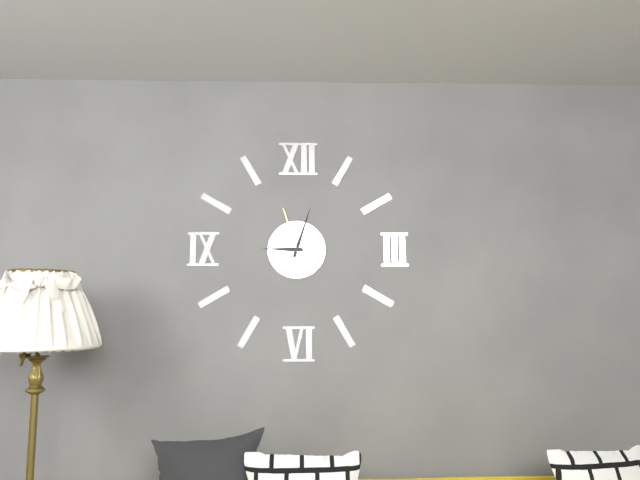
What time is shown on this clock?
9:03:57
